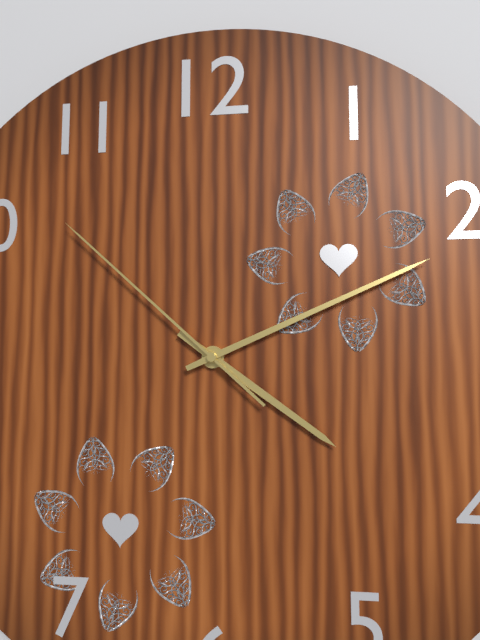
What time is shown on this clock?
4:11:52
